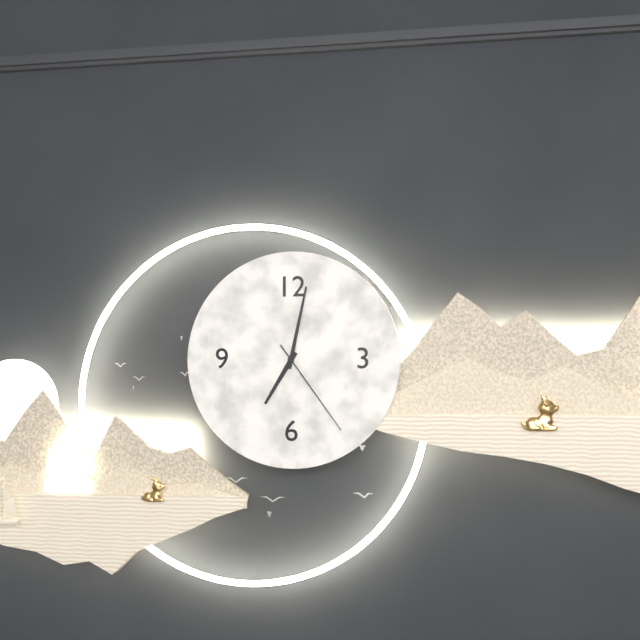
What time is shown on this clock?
7:02:24
